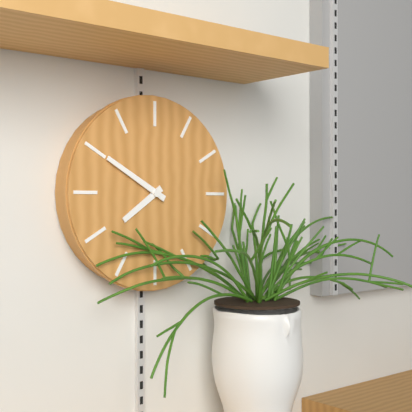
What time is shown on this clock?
7:50
